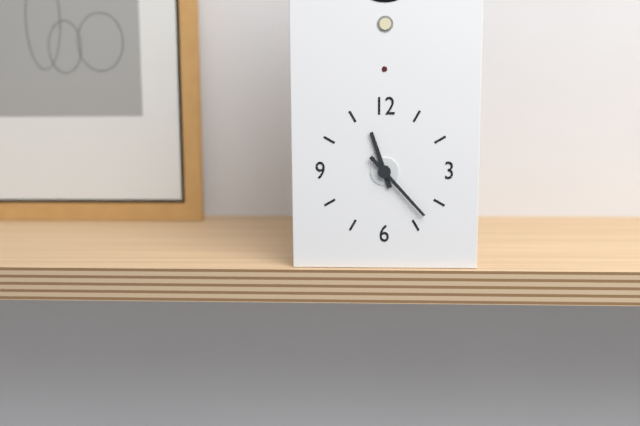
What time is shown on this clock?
11:23
